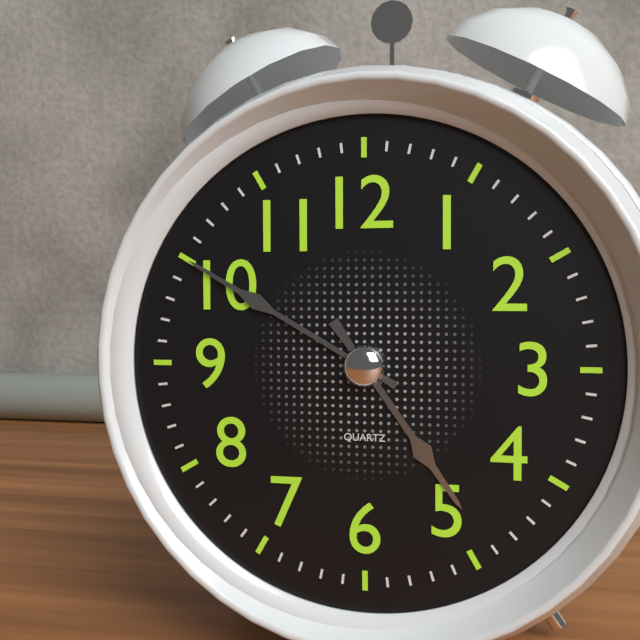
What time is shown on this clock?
4:50
